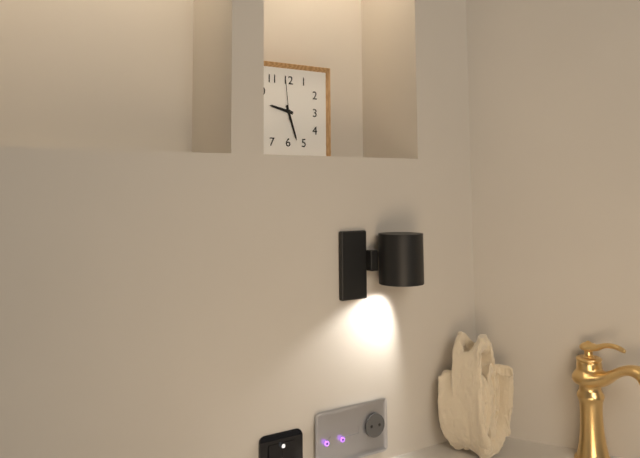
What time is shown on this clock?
9:27
